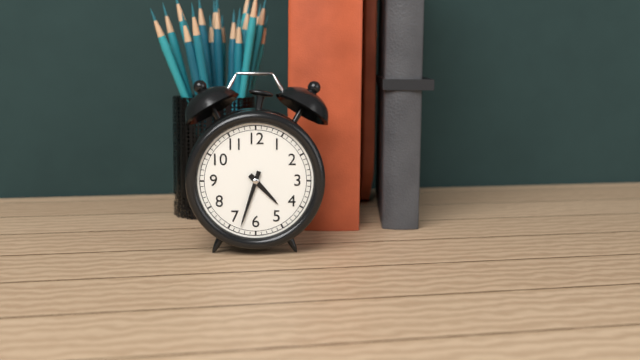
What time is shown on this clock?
4:33
